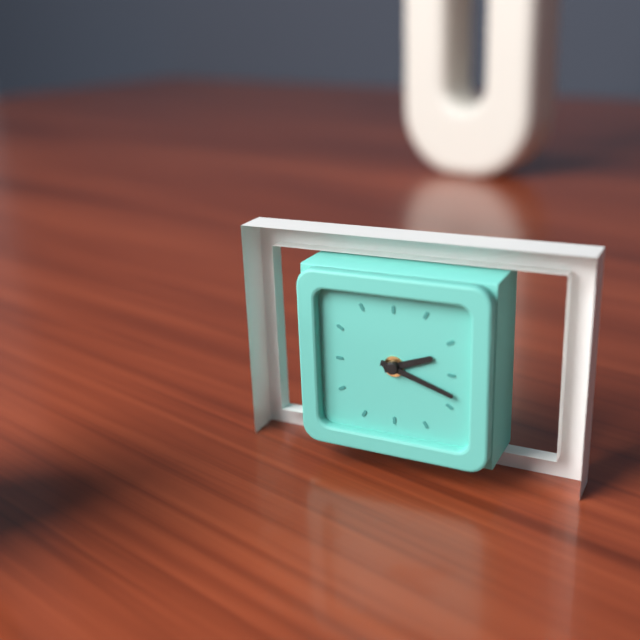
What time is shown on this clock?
2:18
